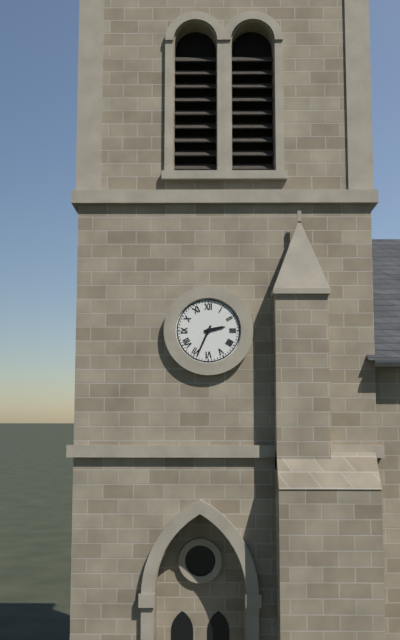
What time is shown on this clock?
2:34
